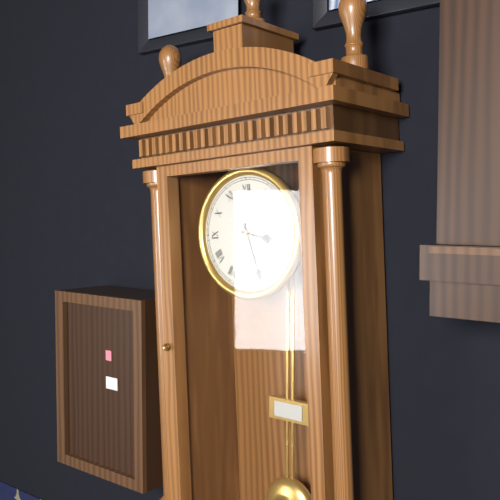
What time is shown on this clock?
3:27
